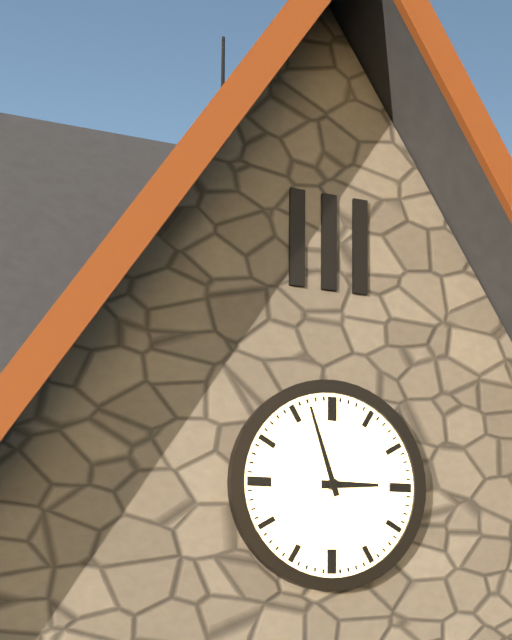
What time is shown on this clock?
2:57
